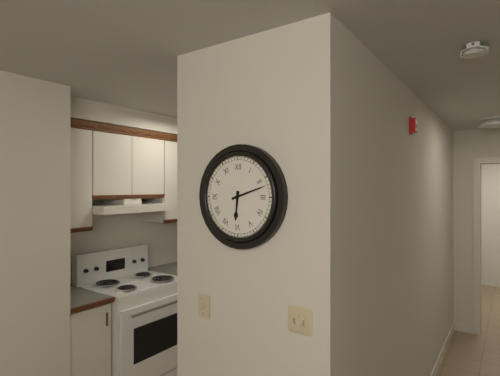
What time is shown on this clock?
6:12
